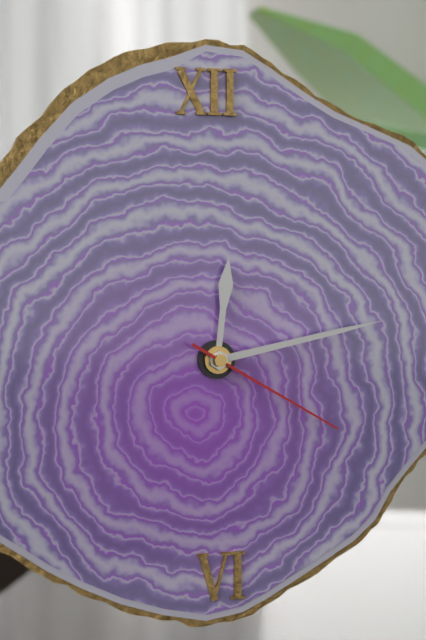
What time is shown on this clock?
12:13:20
